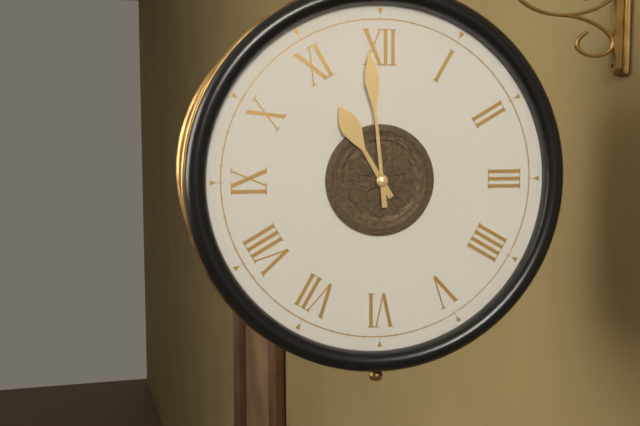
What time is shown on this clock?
10:59
